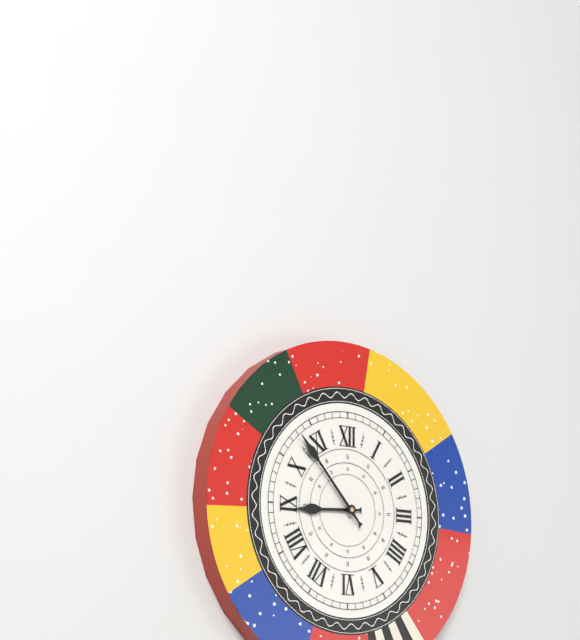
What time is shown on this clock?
8:53
